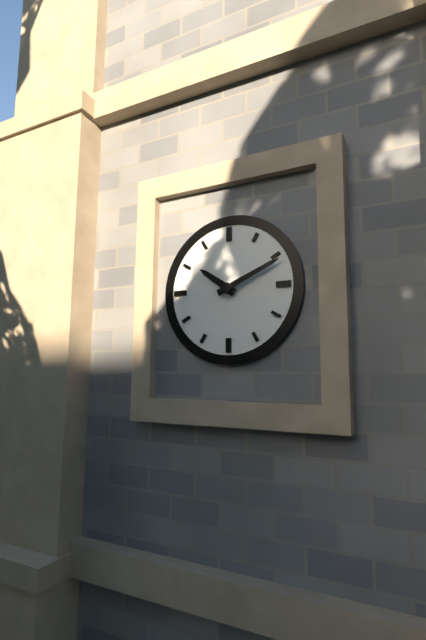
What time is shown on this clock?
10:11
